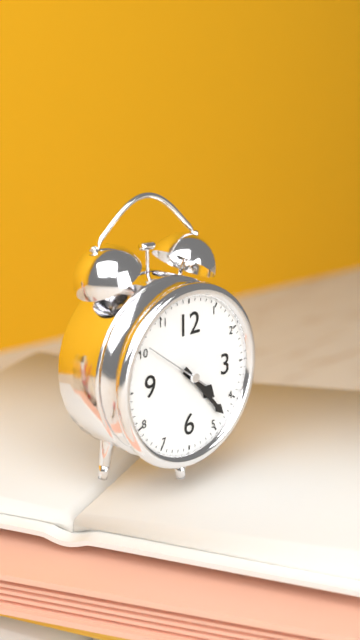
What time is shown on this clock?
4:23:51
